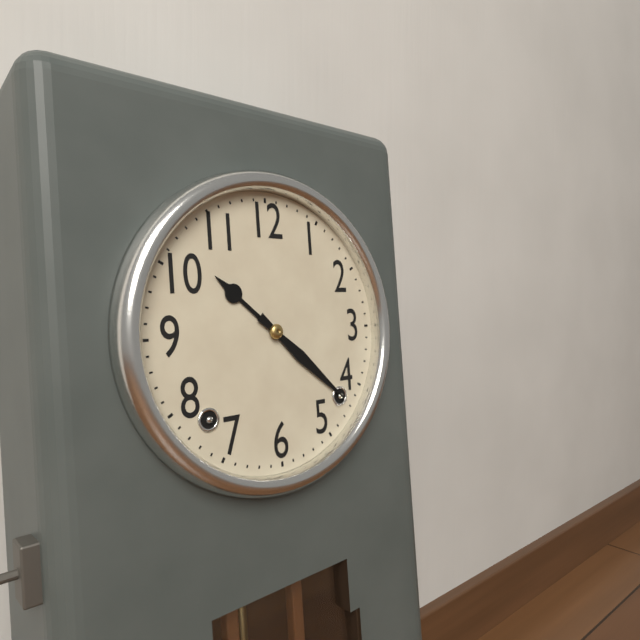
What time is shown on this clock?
10:22
